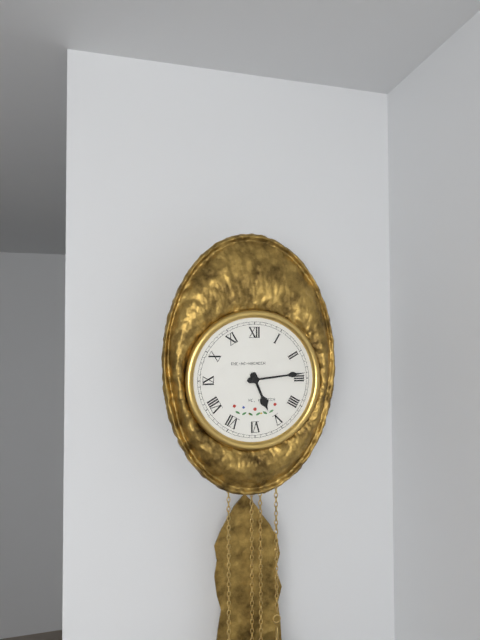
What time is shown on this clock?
5:14
